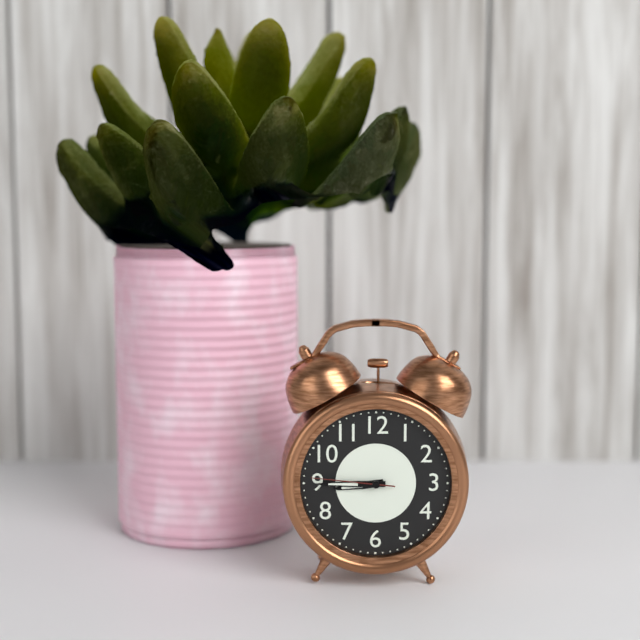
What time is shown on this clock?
8:45:46
